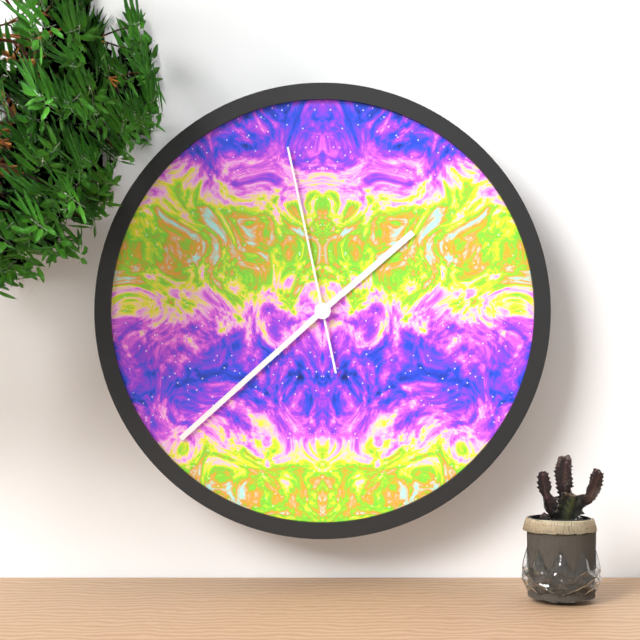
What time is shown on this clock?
1:38:58
